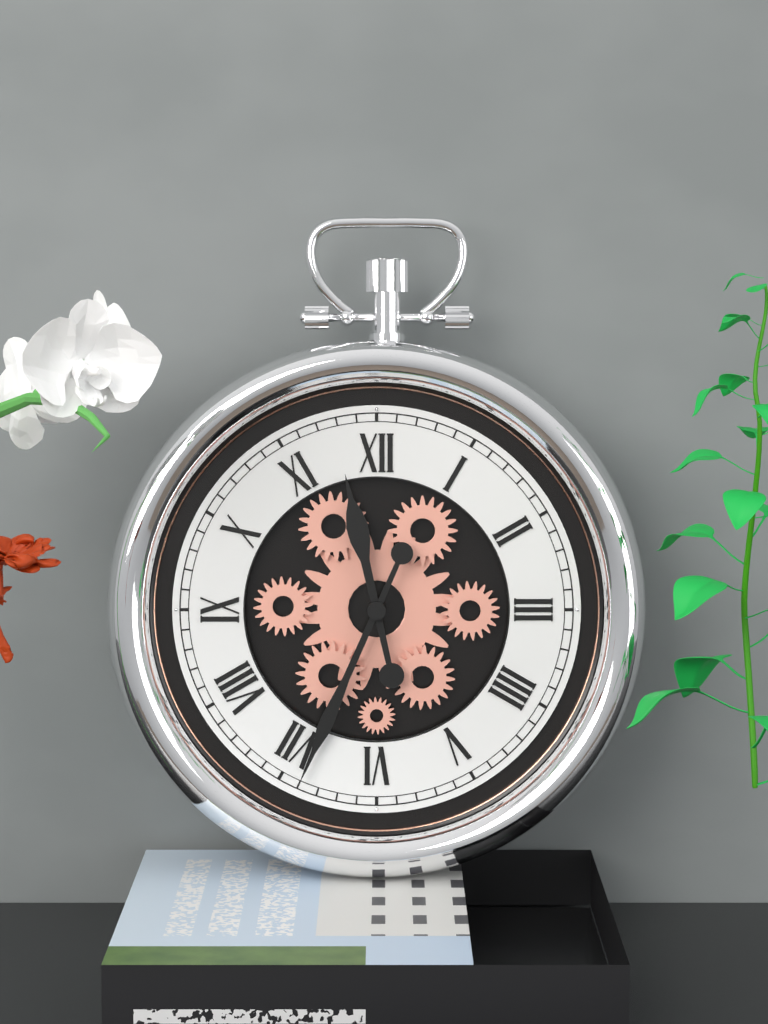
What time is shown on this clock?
11:34
